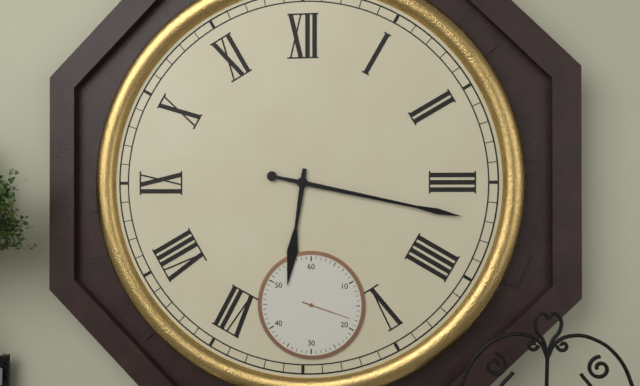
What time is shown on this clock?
6:17:18
